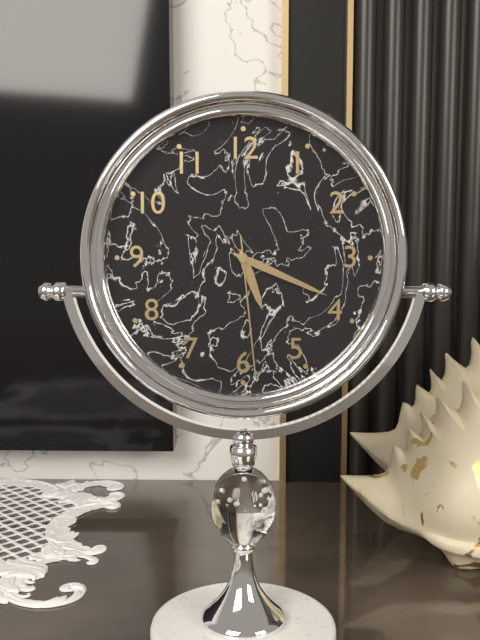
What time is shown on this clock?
5:19:29
